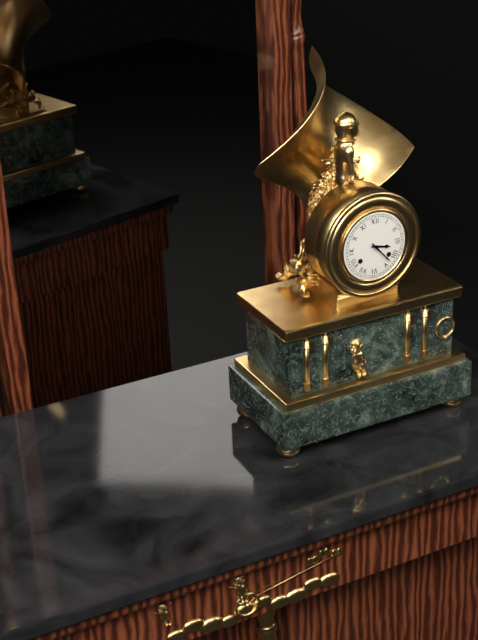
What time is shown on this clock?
3:23
